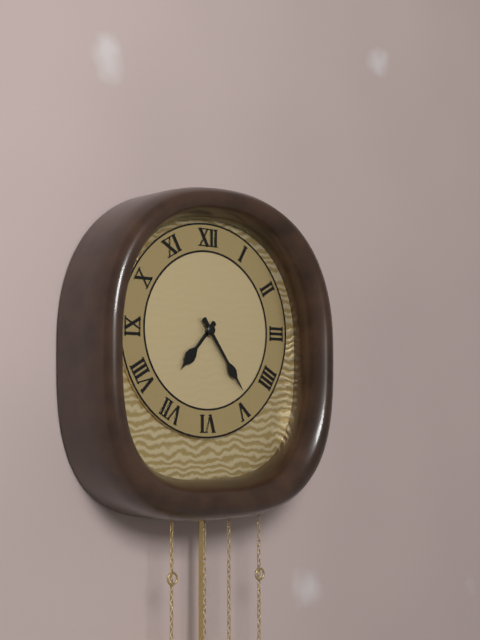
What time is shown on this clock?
7:24
